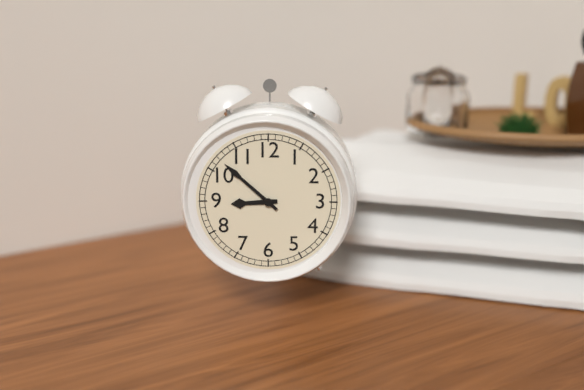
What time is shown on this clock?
8:52
